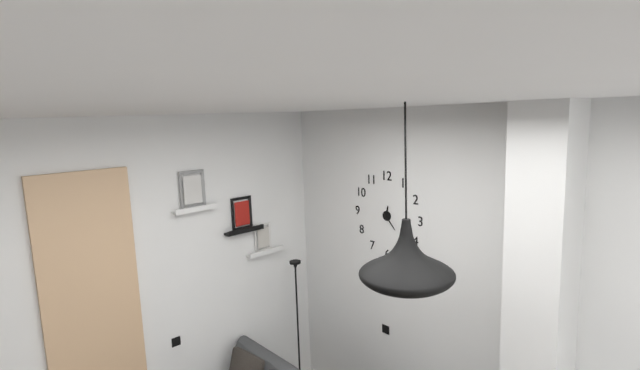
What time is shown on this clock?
12:23
